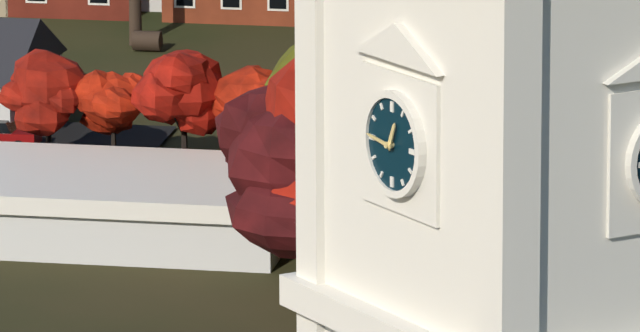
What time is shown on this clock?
12:46
